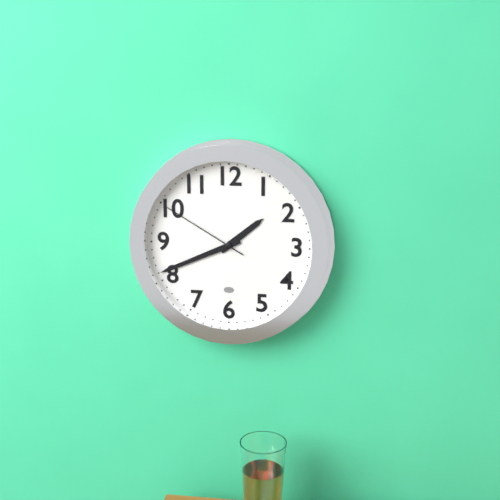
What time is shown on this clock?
1:41:50
